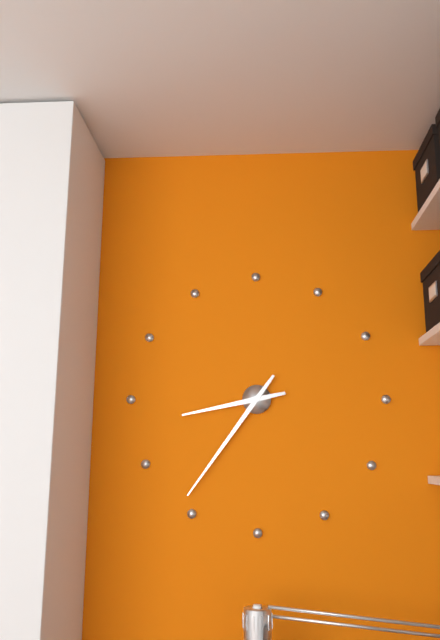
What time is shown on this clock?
8:36
